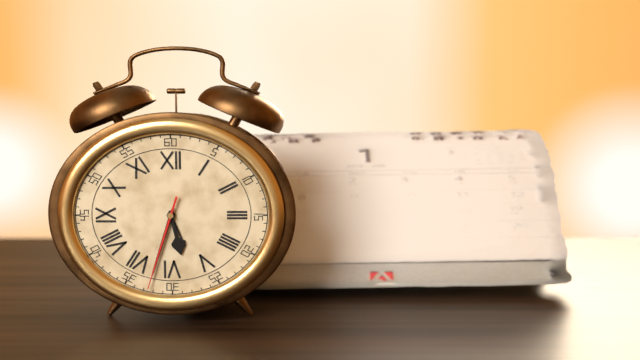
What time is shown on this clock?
5:33:33
